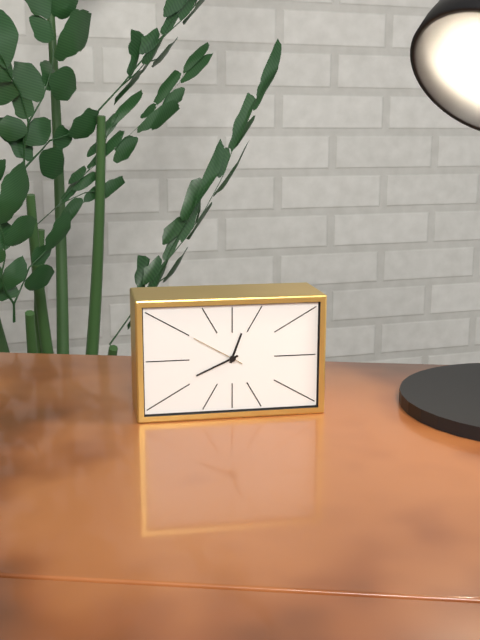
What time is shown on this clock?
12:41:50
